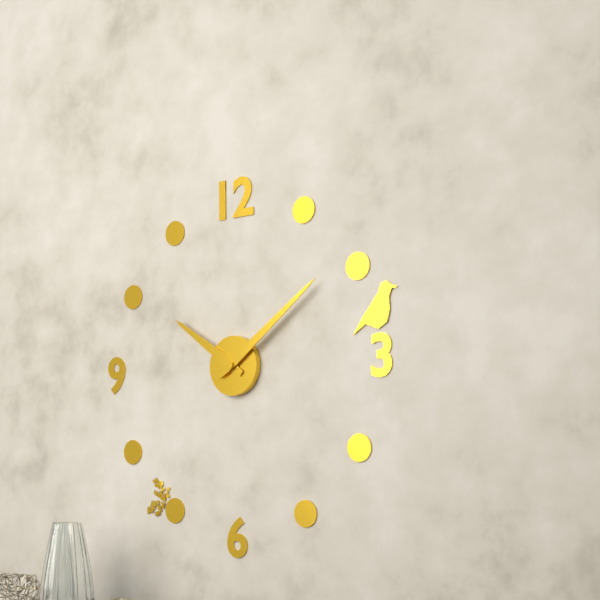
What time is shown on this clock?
10:09
